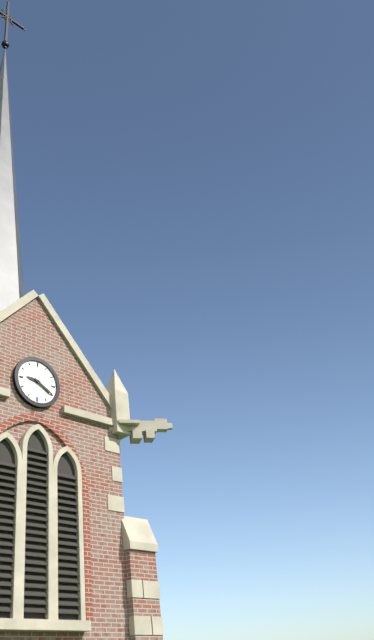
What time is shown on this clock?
9:20
